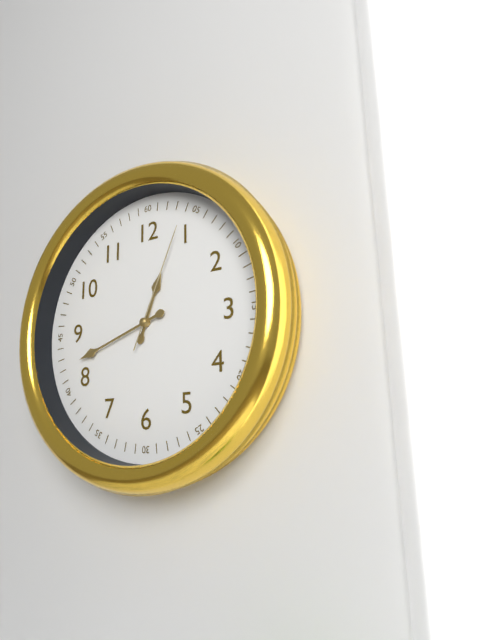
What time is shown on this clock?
12:42:04
